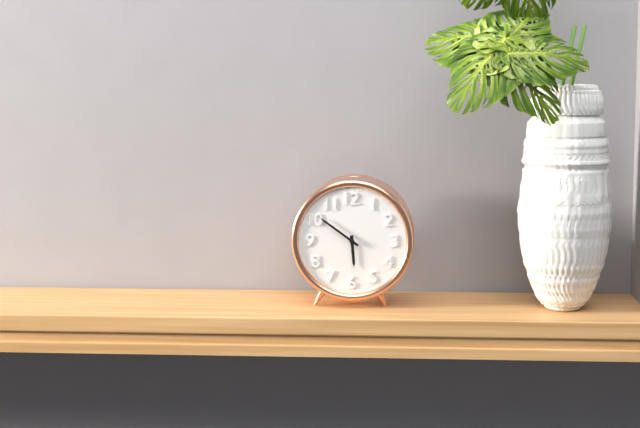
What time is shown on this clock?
5:51
